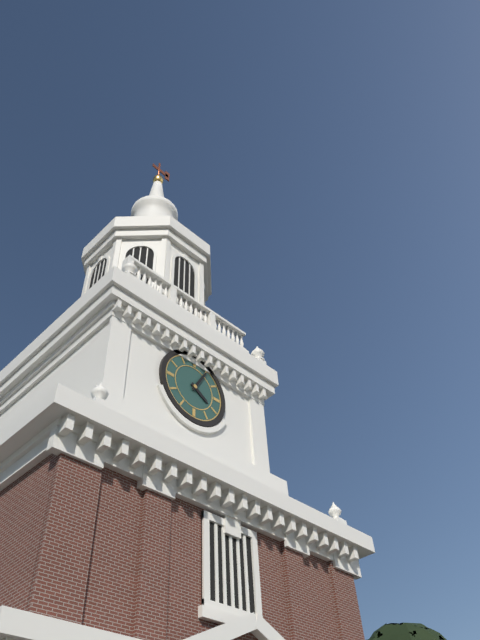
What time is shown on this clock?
4:05
